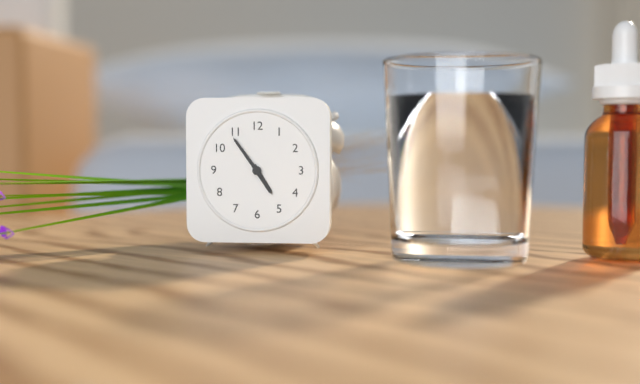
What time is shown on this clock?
4:54
